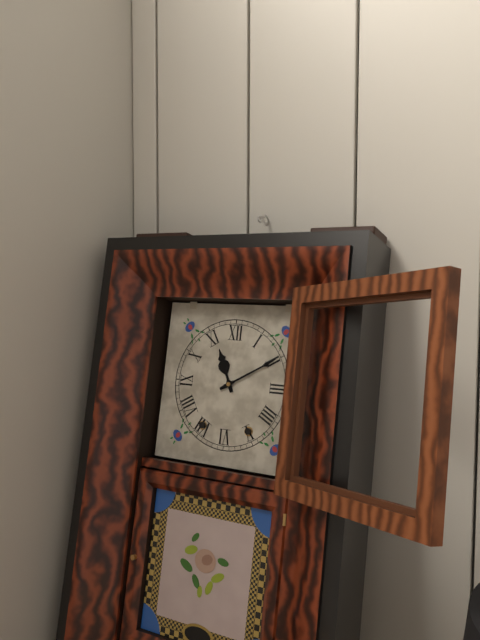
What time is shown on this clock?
11:10
